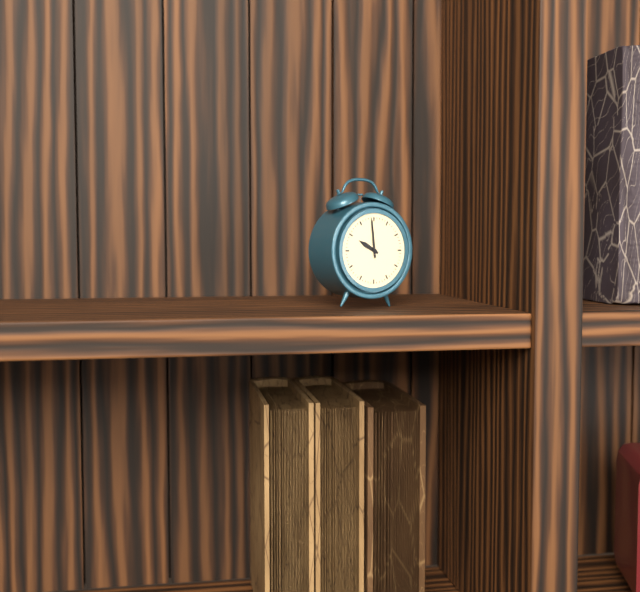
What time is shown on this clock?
9:59
